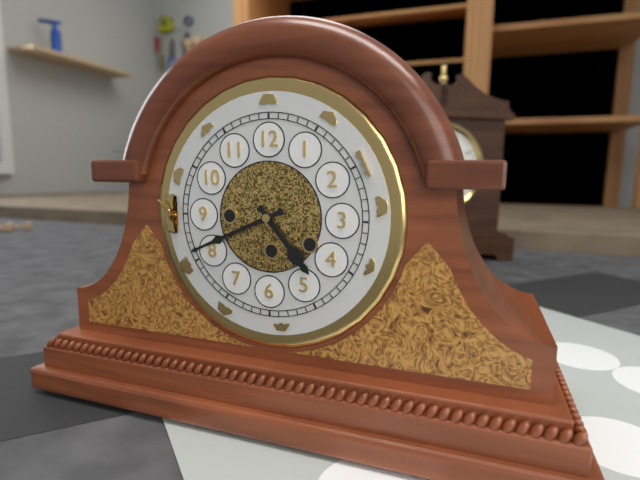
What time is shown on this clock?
4:41
